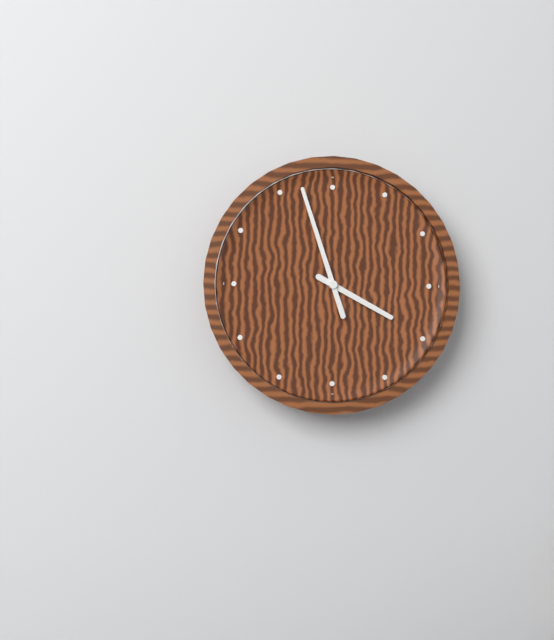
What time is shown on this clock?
3:57
